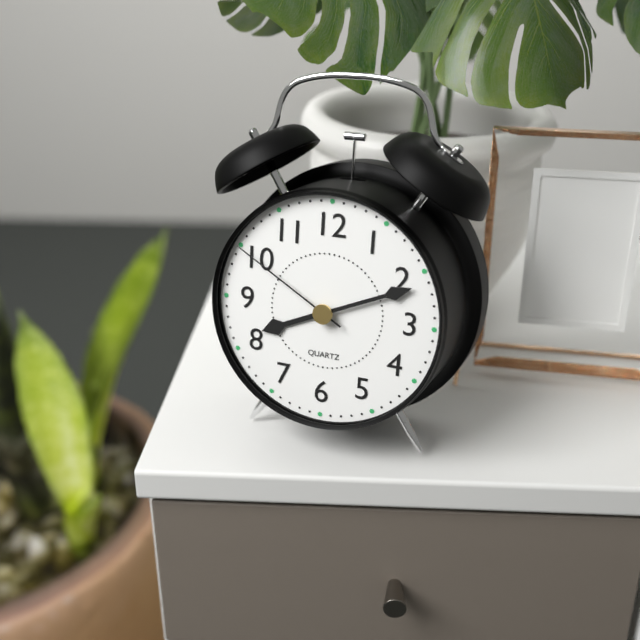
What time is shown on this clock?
8:11:50
